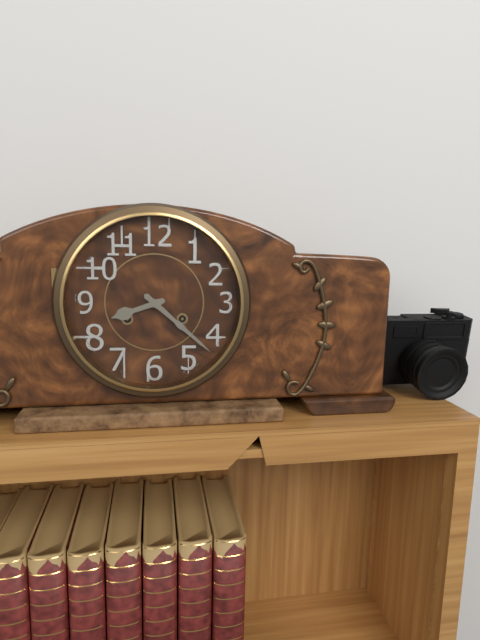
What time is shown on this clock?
8:22
